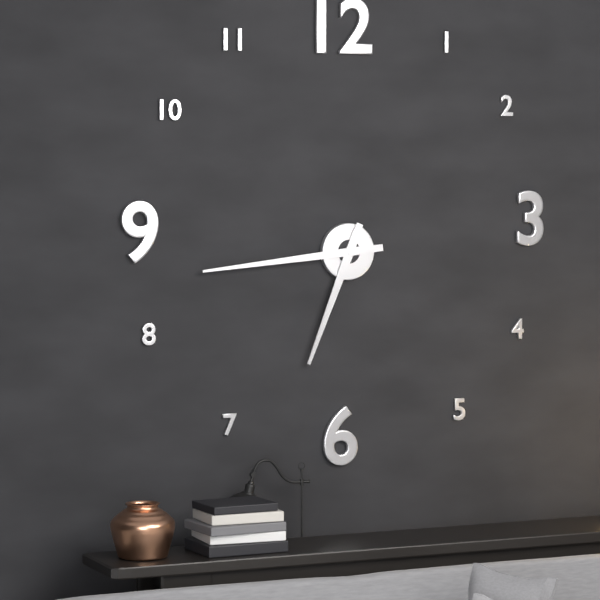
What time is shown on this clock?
6:44
